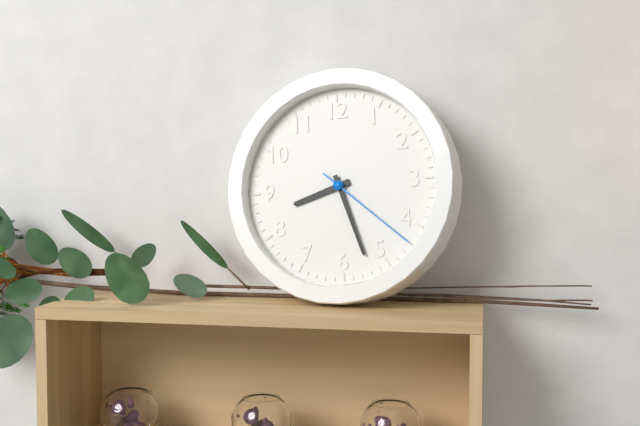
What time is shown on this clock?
8:27:22
